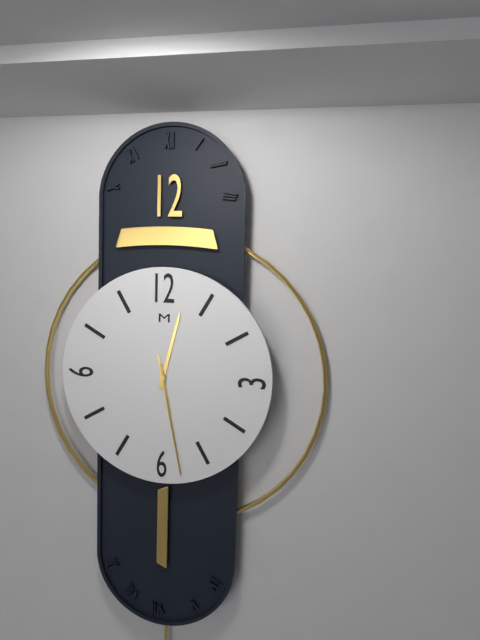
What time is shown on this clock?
12:28:28
